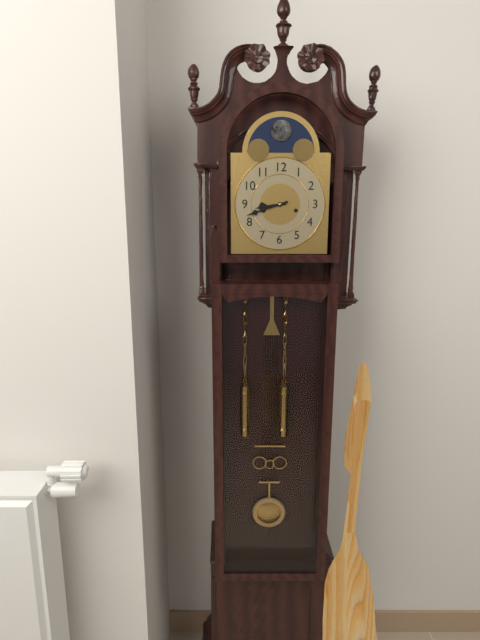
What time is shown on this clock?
8:42
